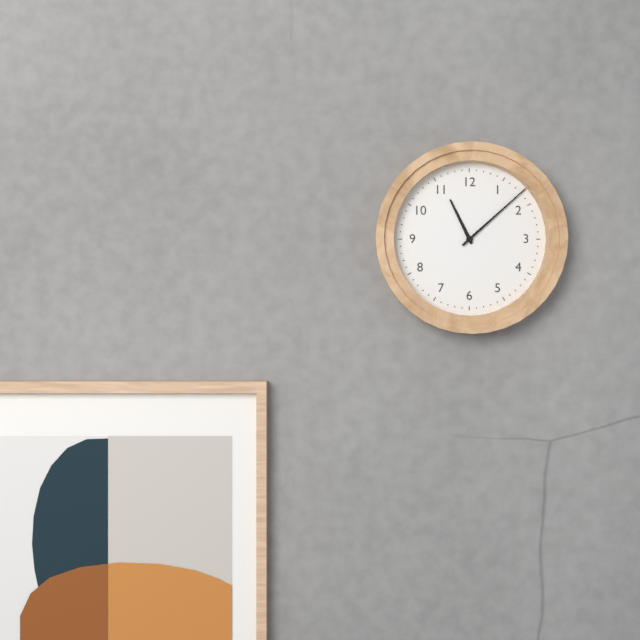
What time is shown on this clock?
11:08
